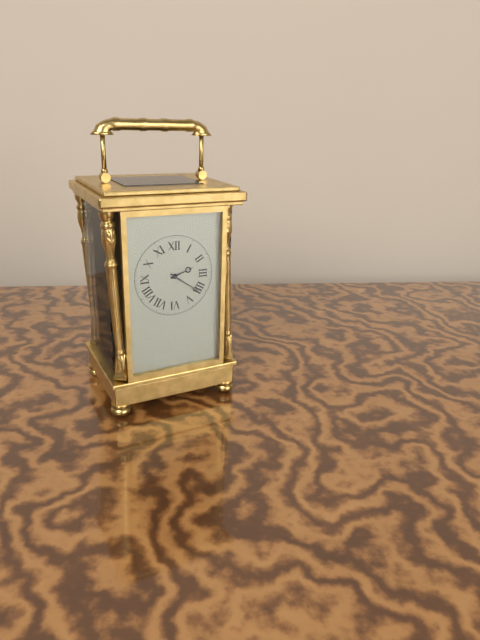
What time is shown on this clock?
2:21
